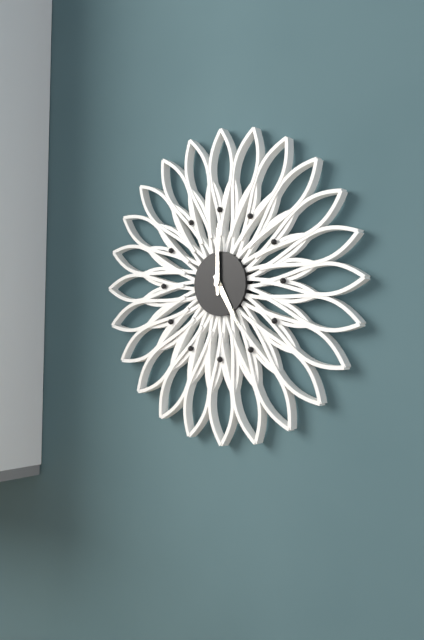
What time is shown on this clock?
5:00
